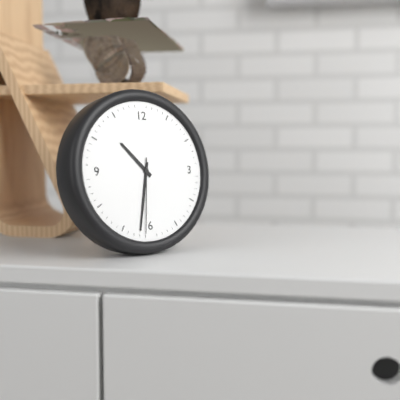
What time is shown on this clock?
10:32:31
